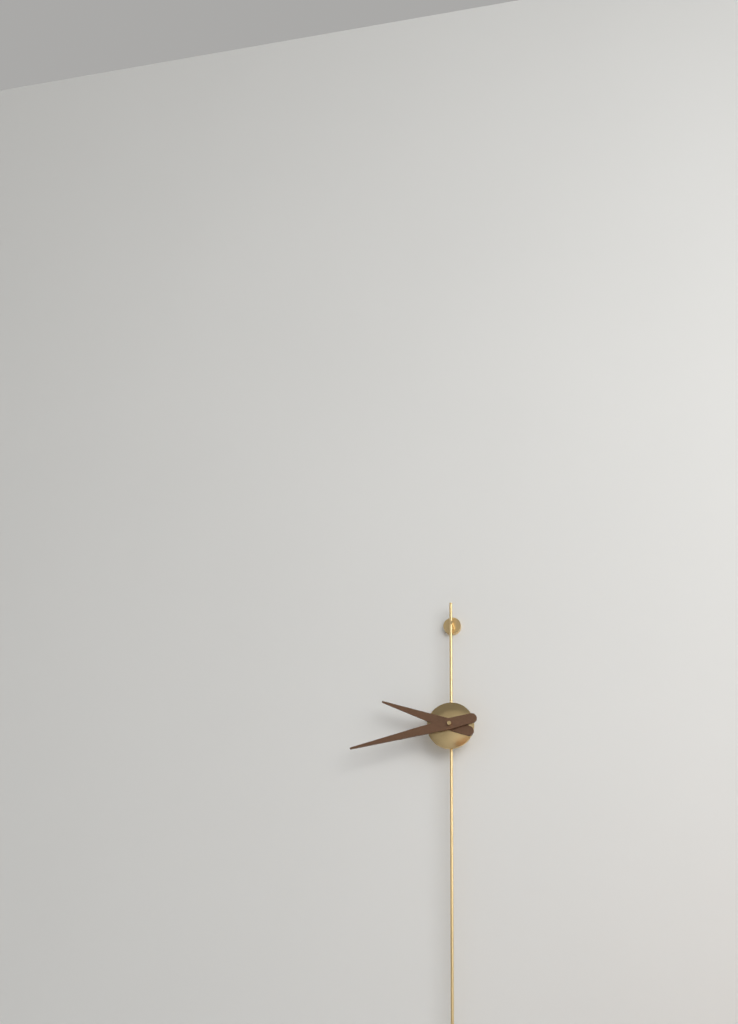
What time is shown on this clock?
9:43
